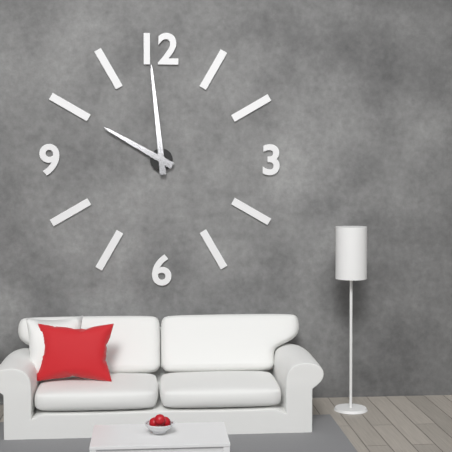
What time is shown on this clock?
9:59
